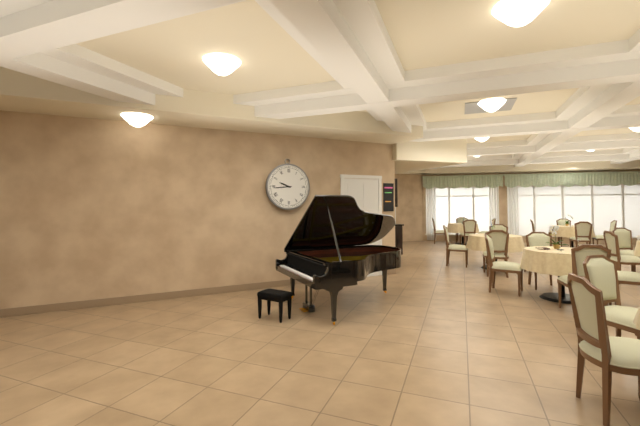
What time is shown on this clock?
9:44
